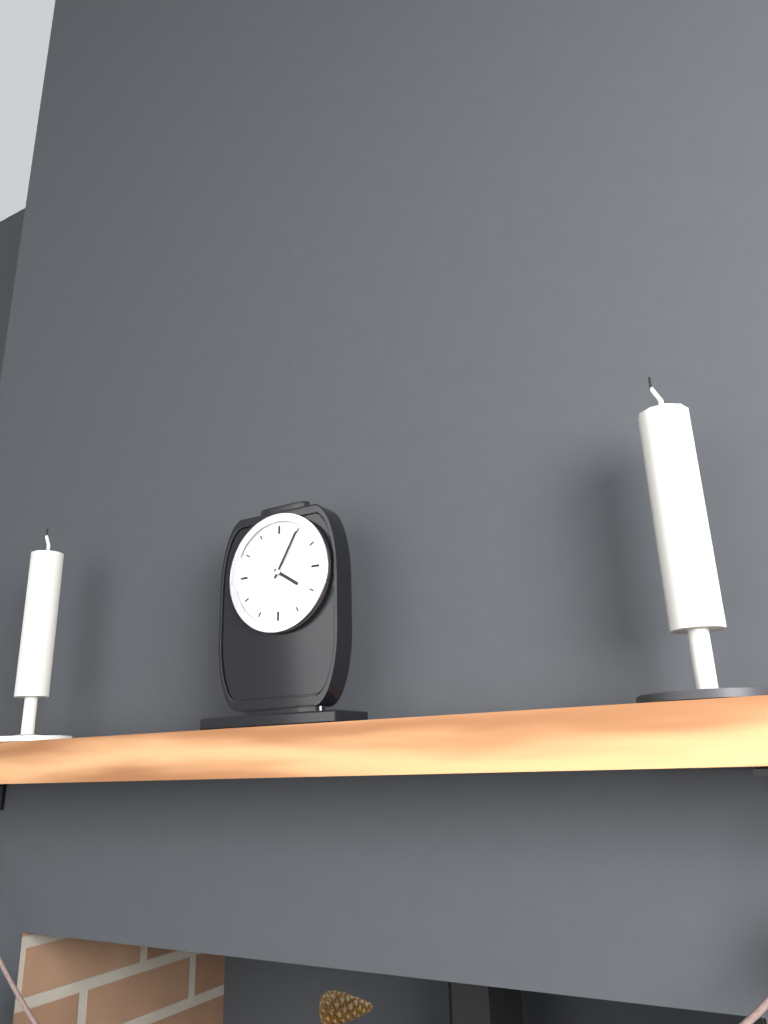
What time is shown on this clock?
4:05
